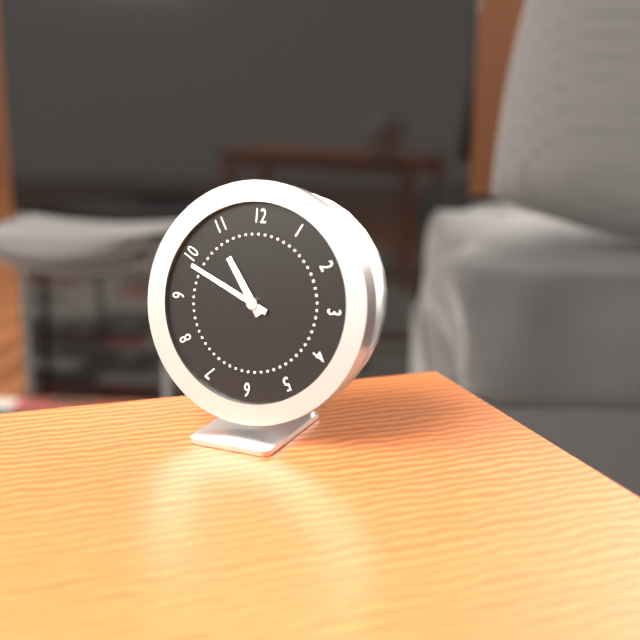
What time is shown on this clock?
10:49
